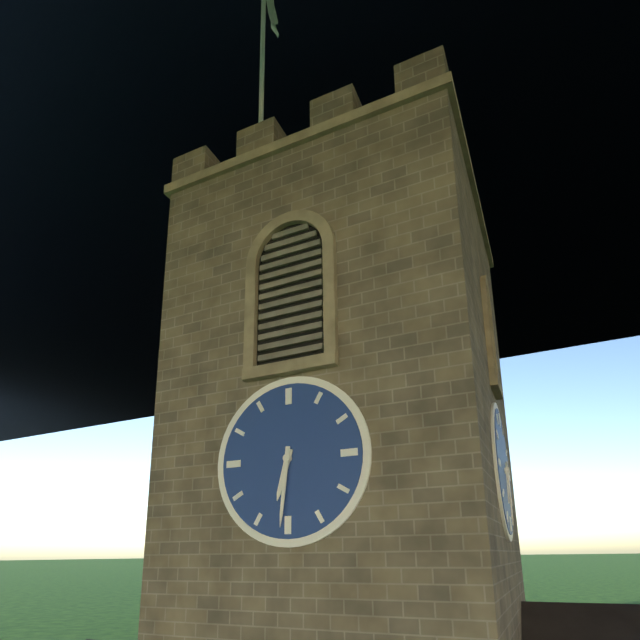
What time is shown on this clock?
6:31
